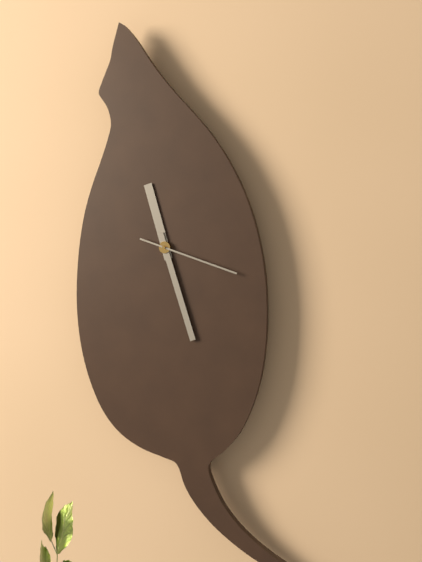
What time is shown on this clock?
11:27:18
